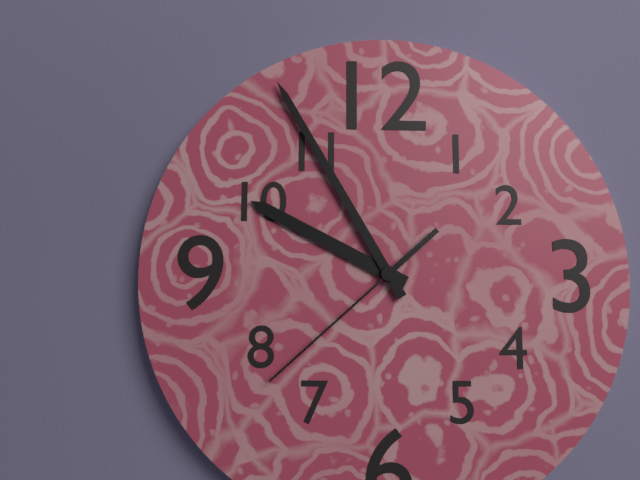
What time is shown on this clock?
9:55:38
